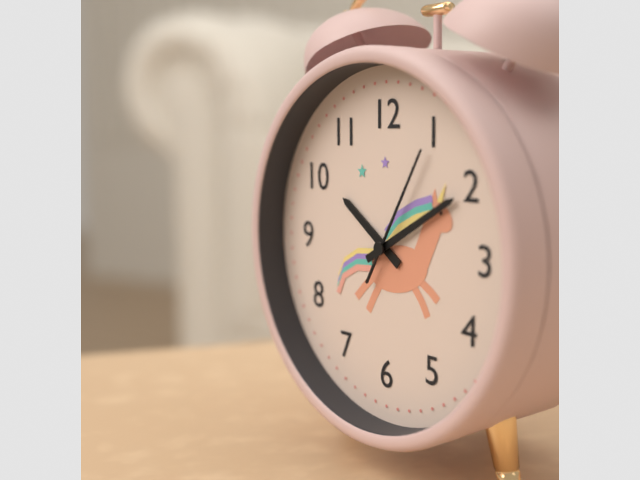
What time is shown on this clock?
10:10:05
